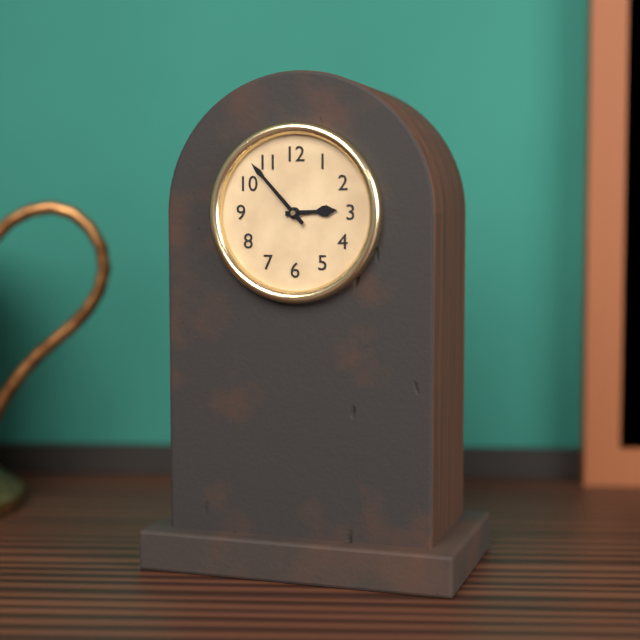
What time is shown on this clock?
2:53
